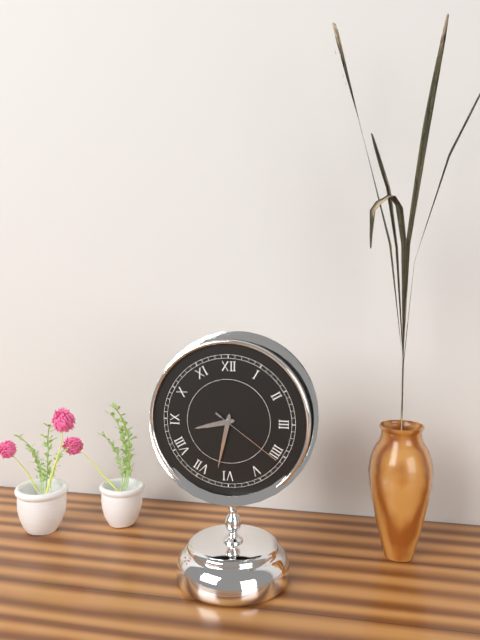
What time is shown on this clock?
8:32:21
